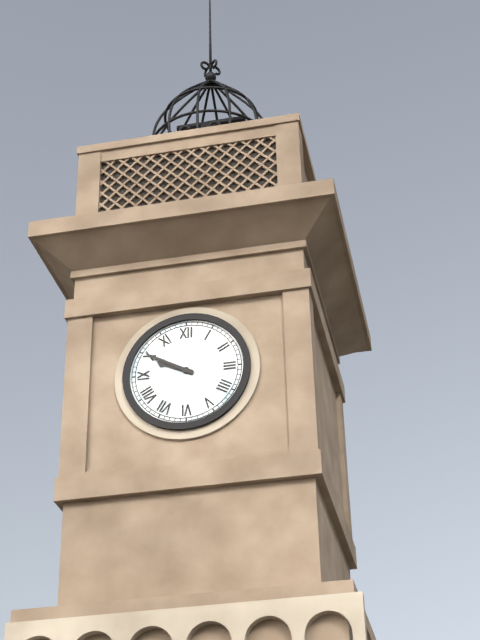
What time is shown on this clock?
9:50
